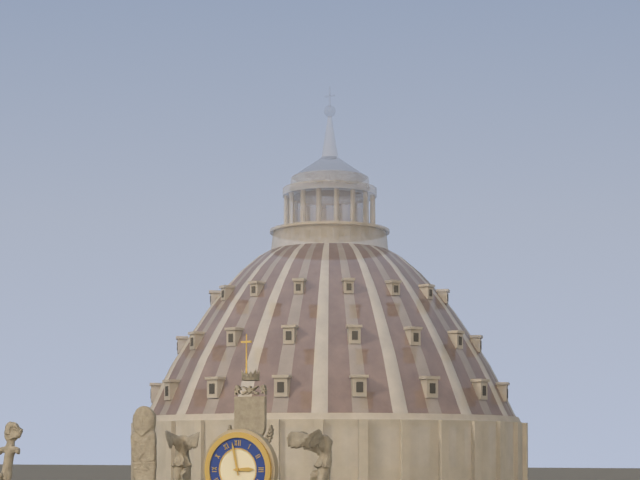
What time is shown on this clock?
2:58
